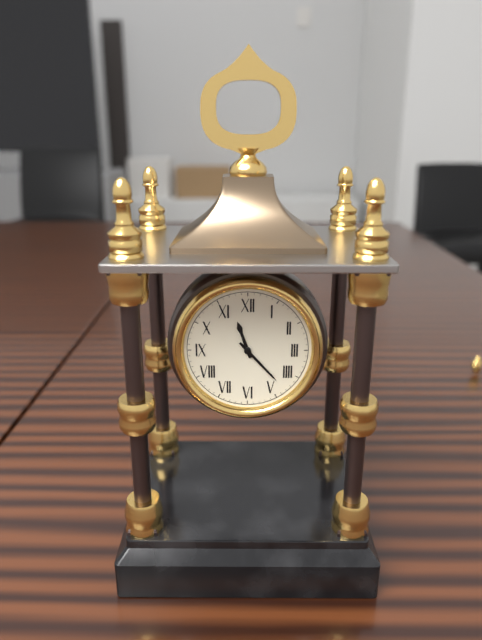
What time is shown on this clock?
11:23
